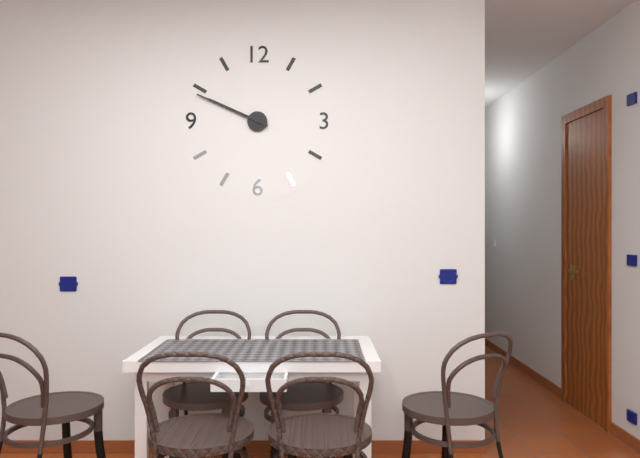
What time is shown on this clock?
9:49
